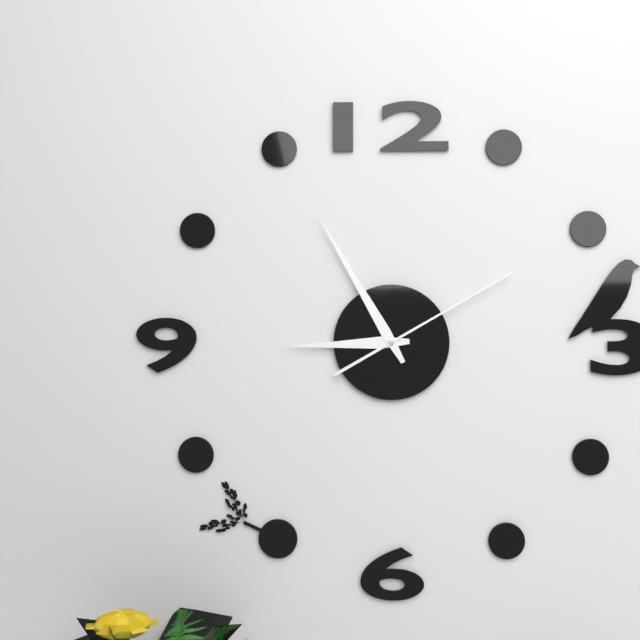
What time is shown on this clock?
8:55:10
